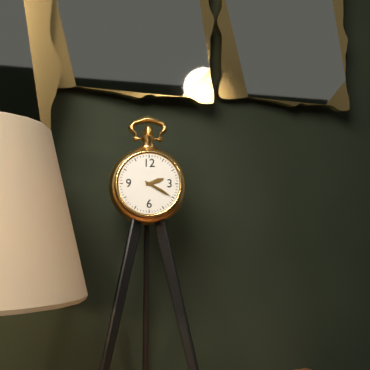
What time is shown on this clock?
2:20
